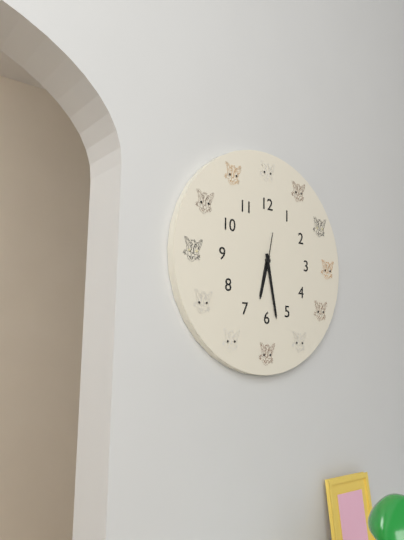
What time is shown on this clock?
6:28
